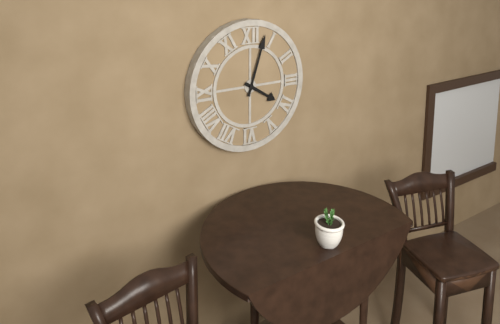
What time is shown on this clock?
4:03
